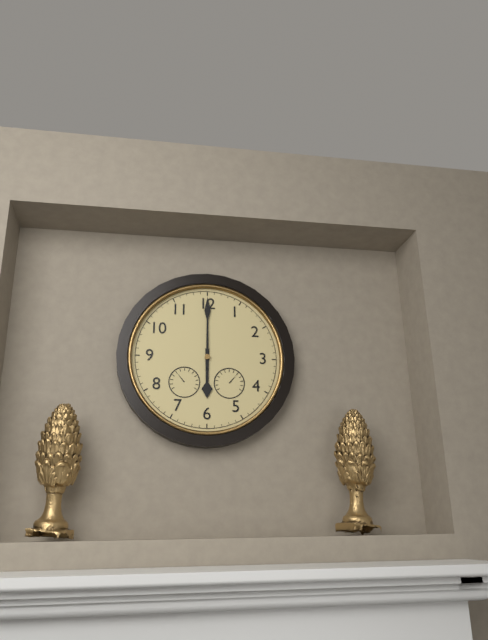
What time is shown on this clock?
6:00
